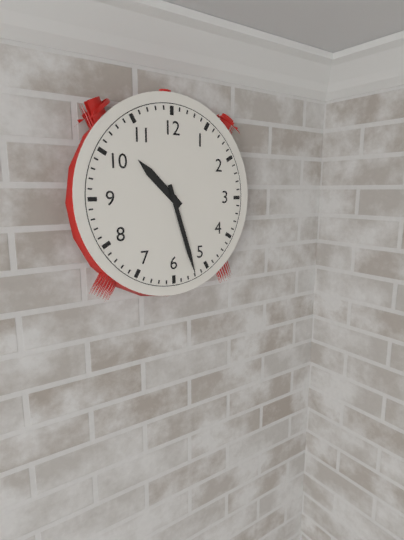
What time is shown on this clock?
10:27
